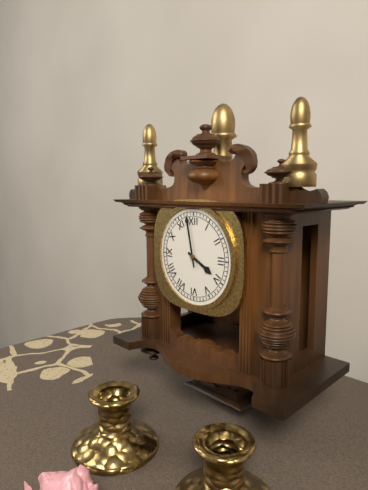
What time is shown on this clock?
3:58
